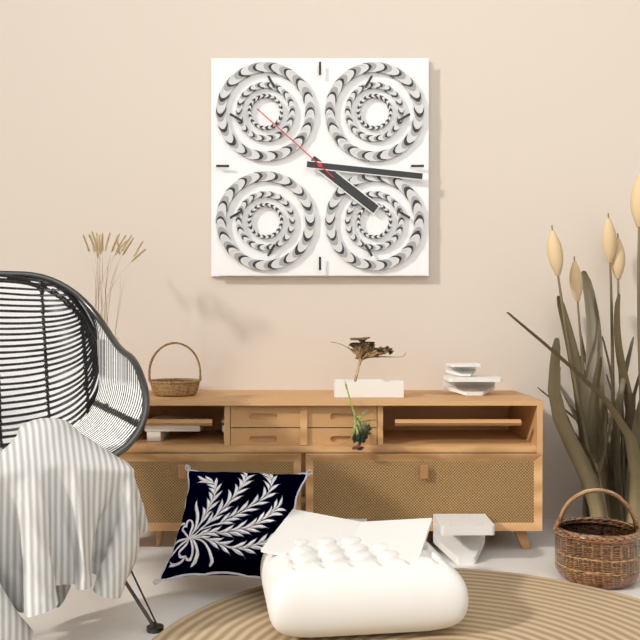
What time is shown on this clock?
4:16:52
